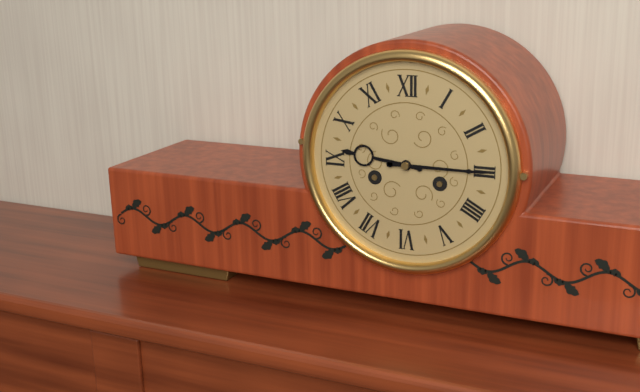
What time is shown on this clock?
9:15
